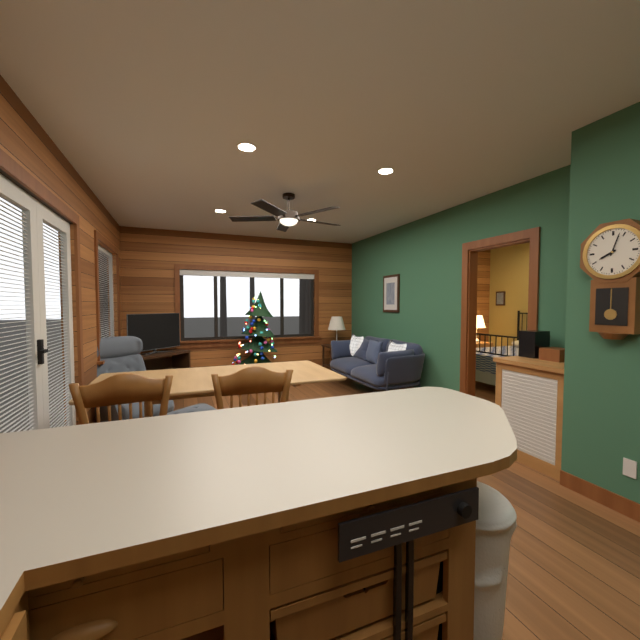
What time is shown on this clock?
8:03
